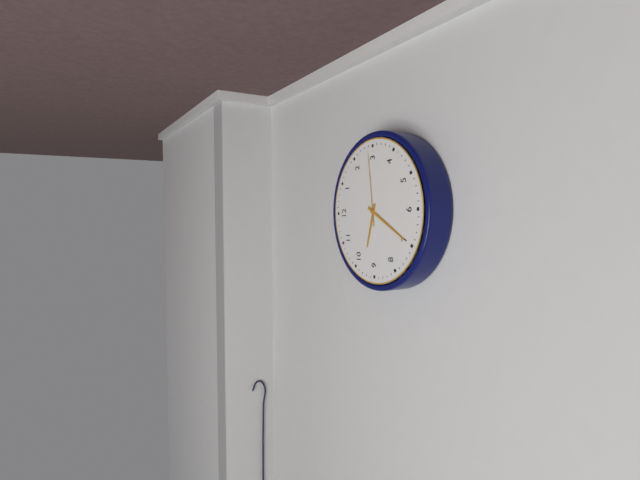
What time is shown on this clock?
9:35:14
